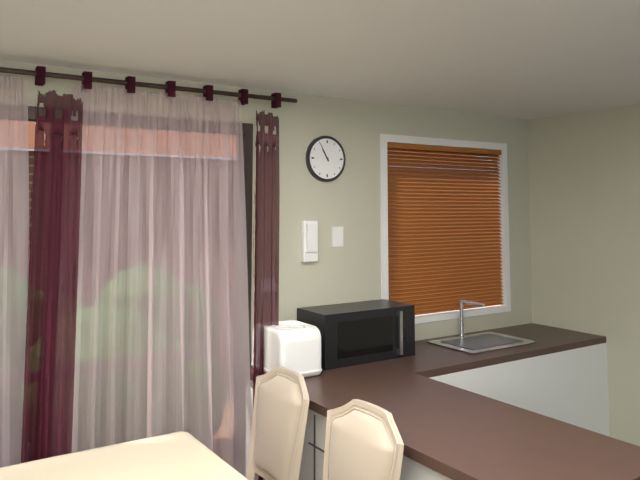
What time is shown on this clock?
10:55
